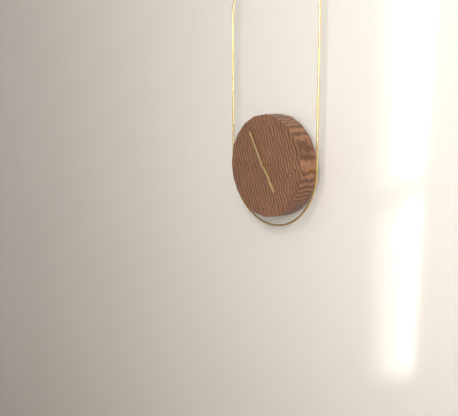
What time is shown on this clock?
4:55
